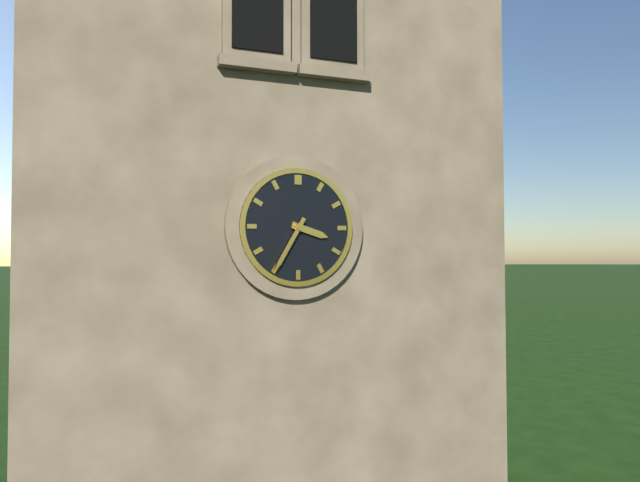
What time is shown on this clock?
3:35
